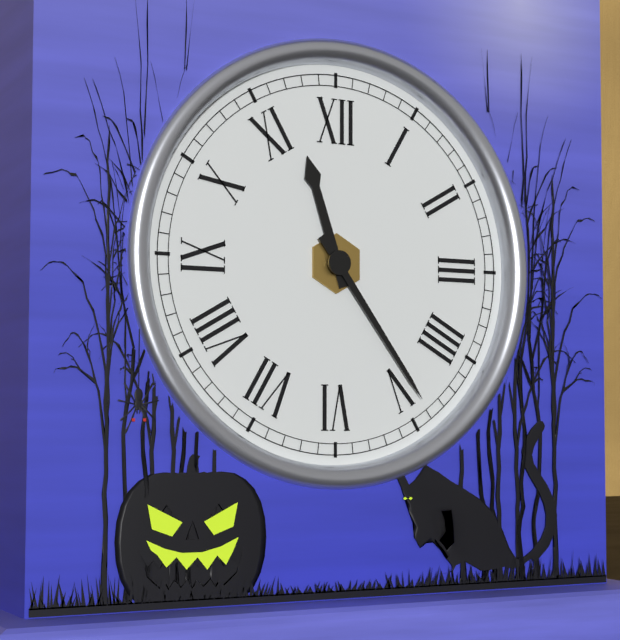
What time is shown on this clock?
11:24
